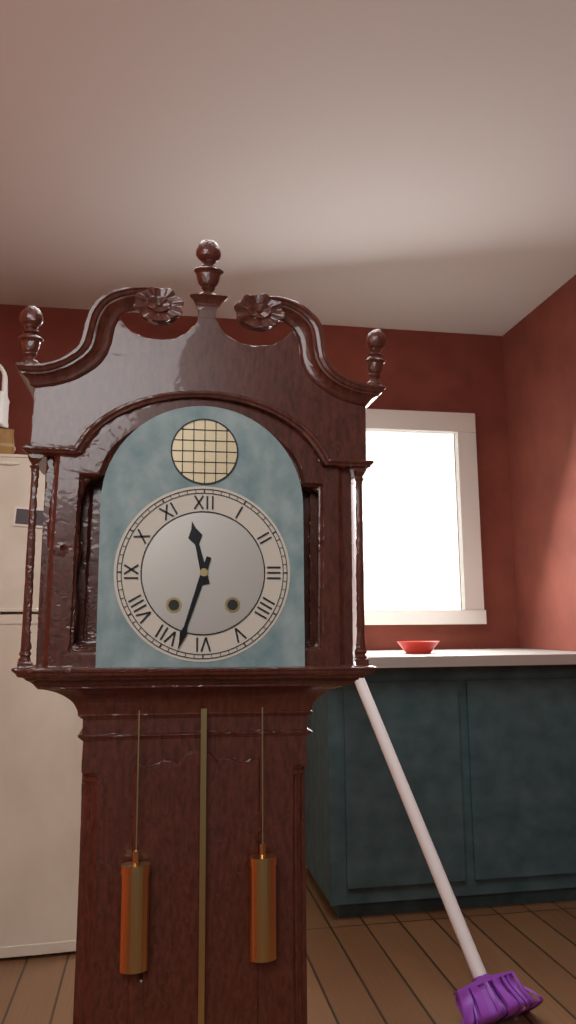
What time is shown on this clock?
11:33
